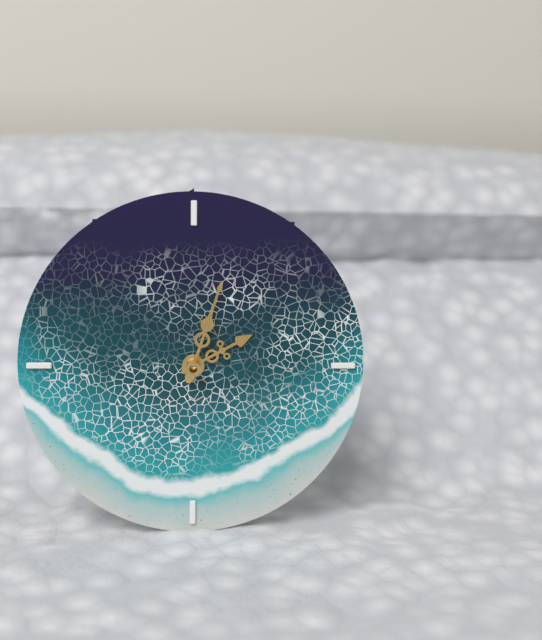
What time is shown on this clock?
2:03
